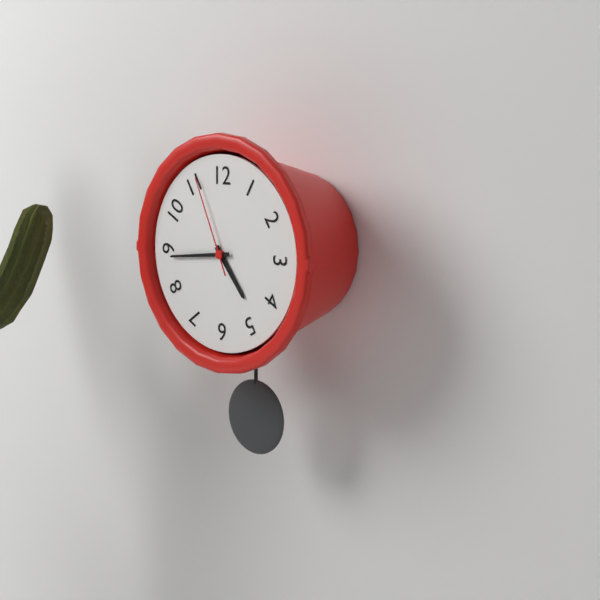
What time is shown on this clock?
4:44:56
